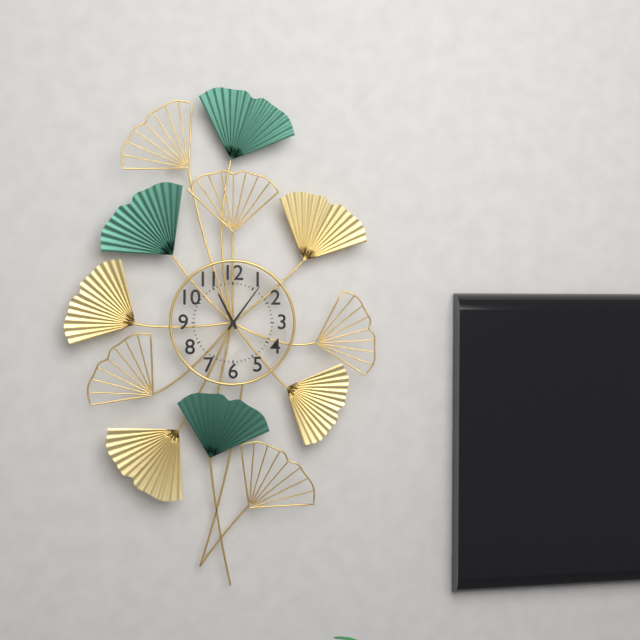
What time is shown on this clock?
11:06
